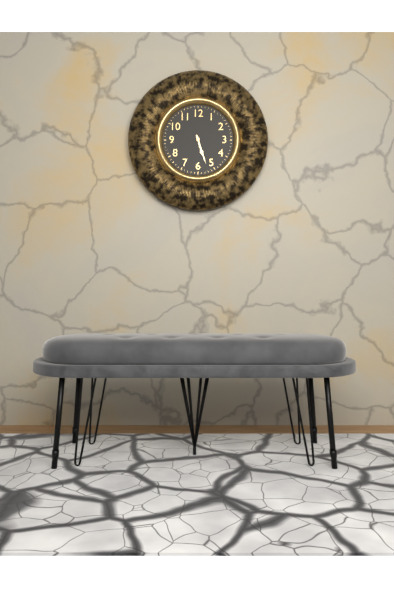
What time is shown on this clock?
5:27
